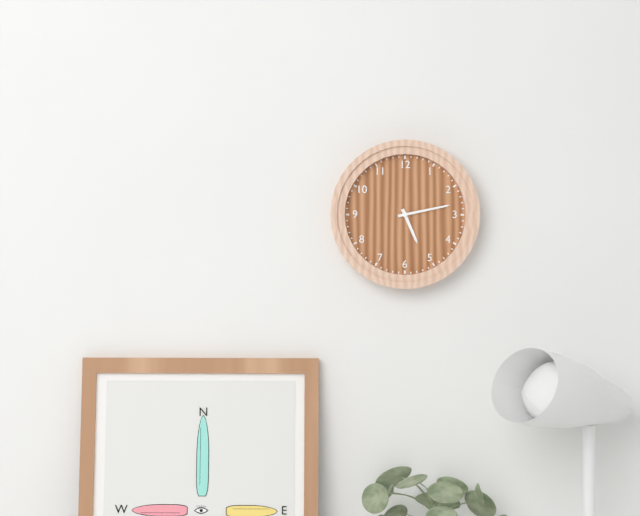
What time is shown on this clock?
5:13
